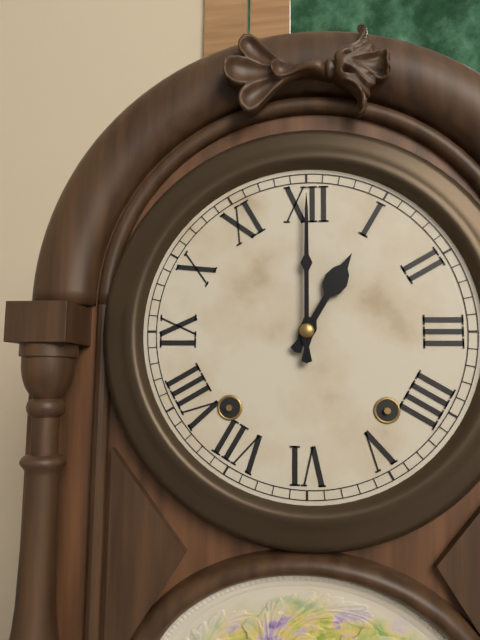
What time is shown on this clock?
1:00
